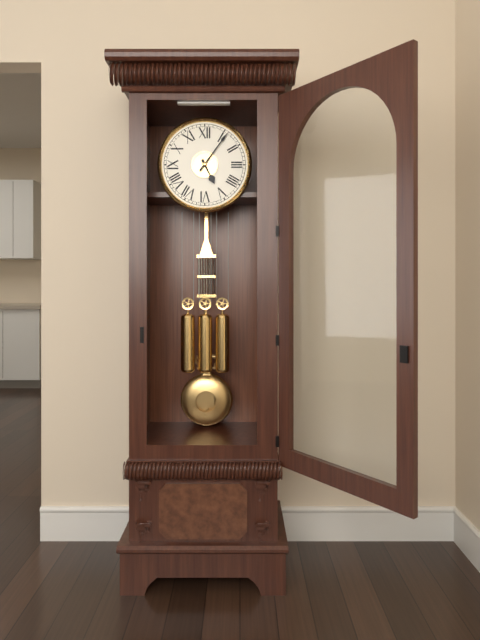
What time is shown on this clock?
5:06
